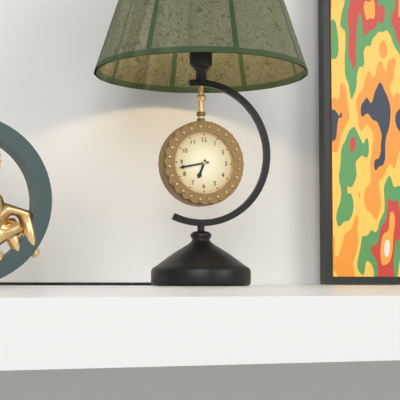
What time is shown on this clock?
6:43
